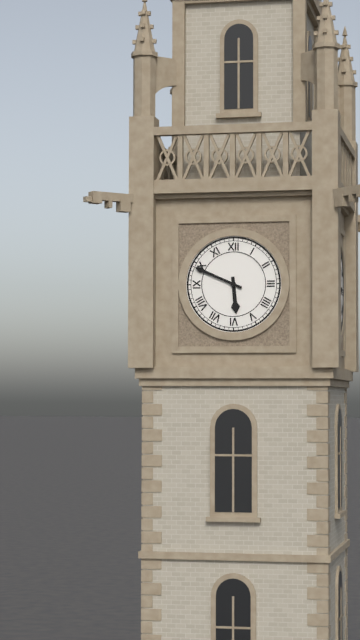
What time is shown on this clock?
5:49
